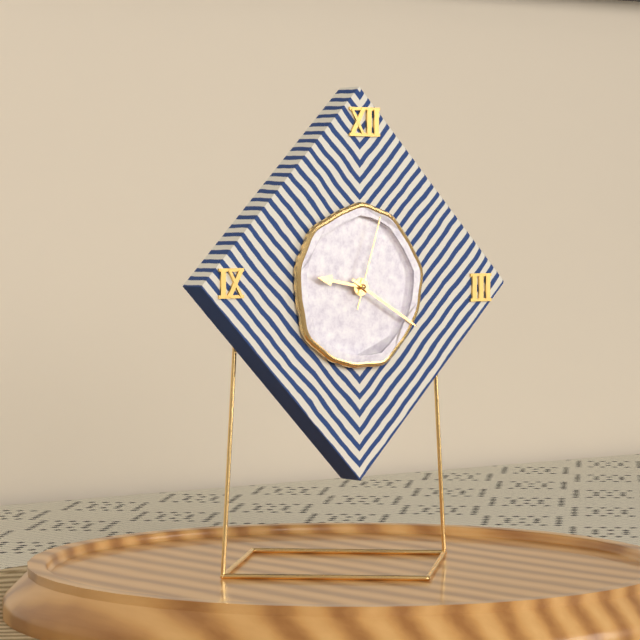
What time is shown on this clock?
9:20:03
